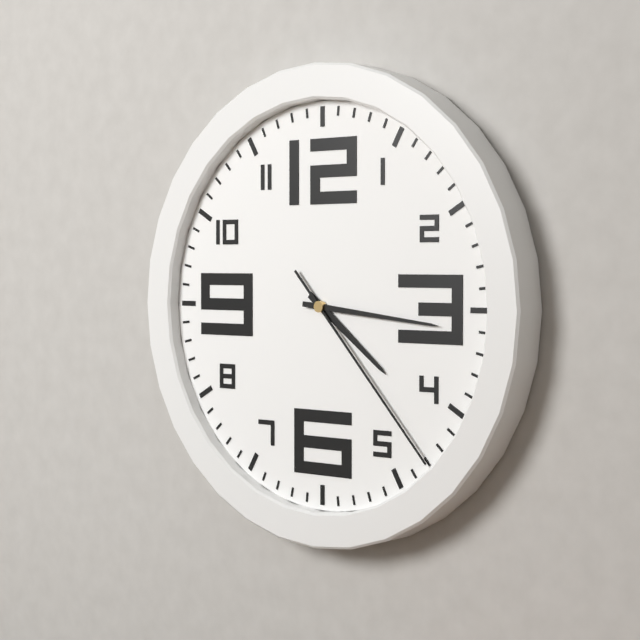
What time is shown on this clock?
4:16:23
